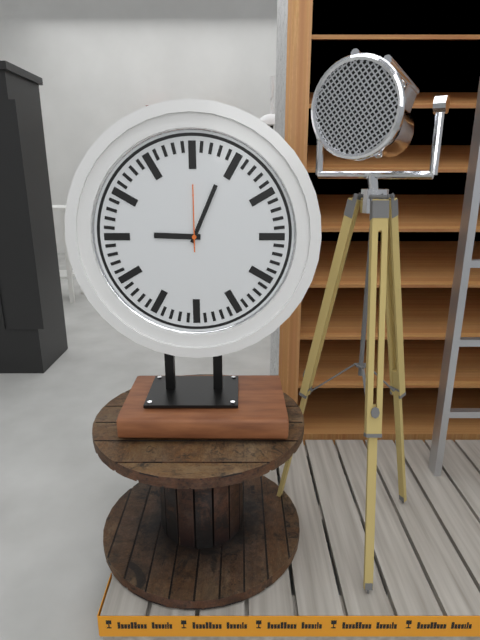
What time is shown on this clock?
9:04:00
